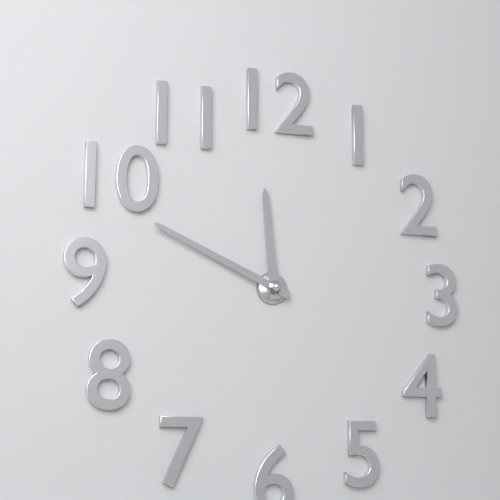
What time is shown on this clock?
11:49
